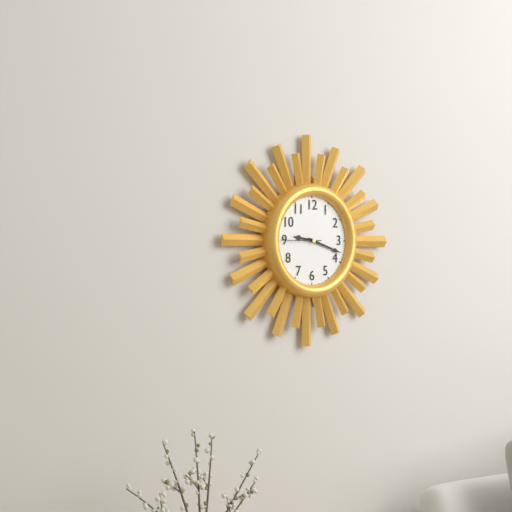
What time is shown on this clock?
9:18
